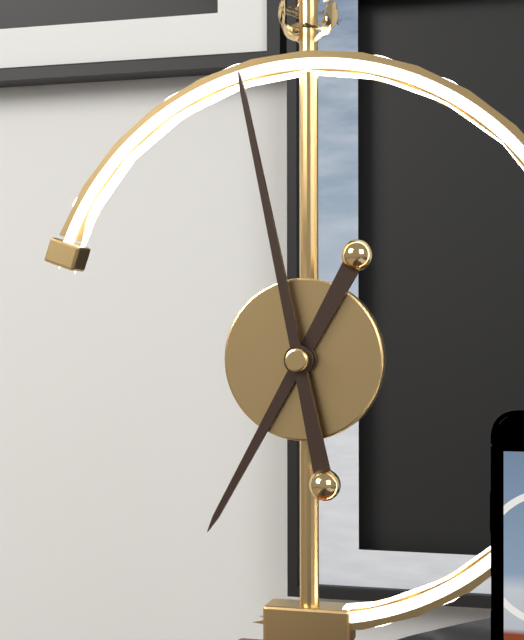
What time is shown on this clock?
6:58
